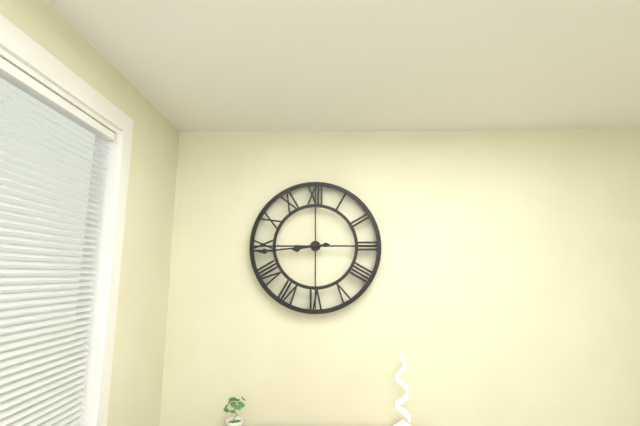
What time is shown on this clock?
8:44
